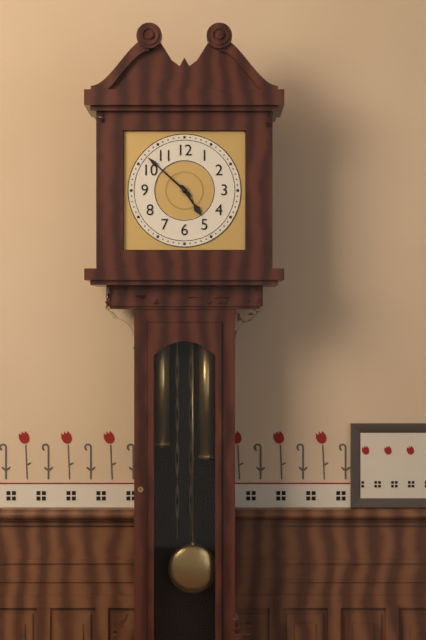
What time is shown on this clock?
4:52
